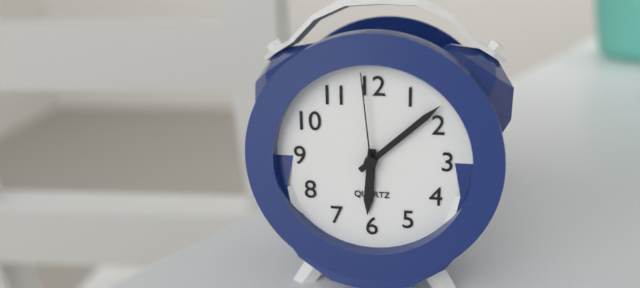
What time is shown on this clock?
6:08:59
